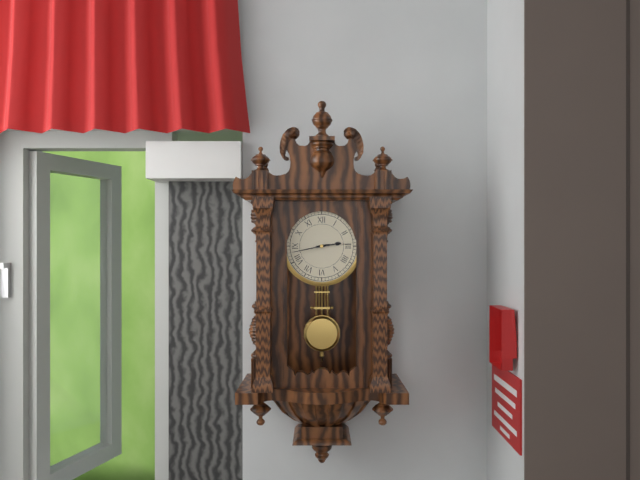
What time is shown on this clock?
2:43
